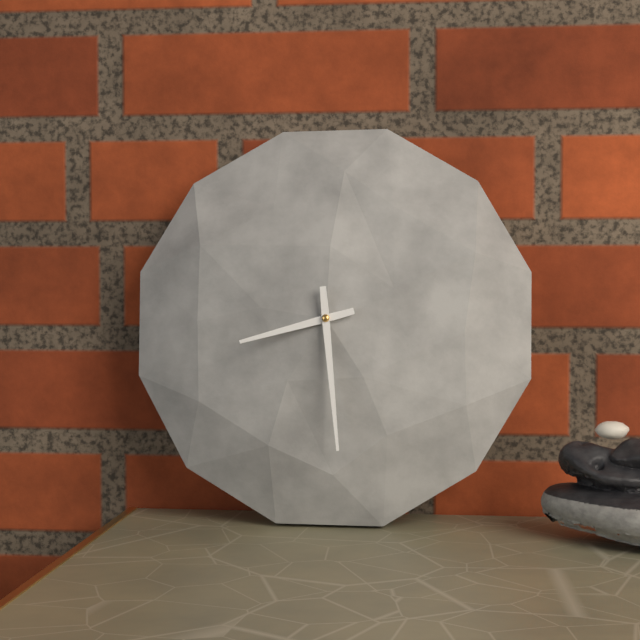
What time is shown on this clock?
8:29
